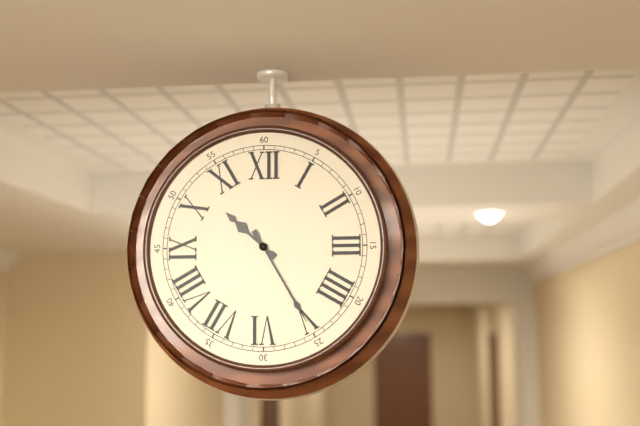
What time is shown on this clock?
10:25
